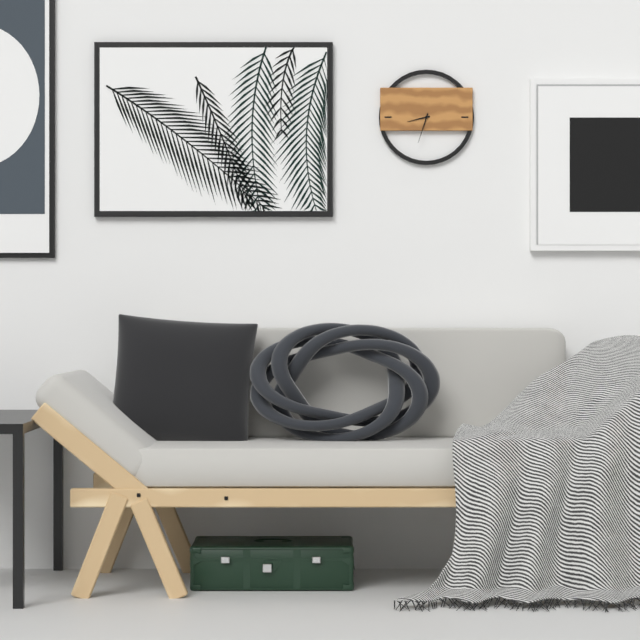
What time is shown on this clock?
8:33
